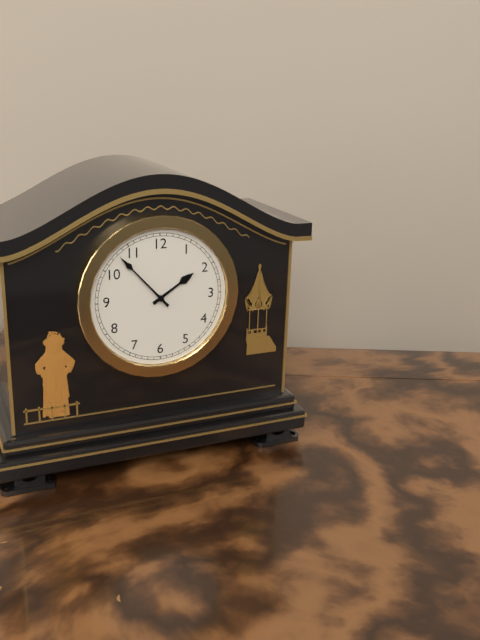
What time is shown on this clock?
1:53
